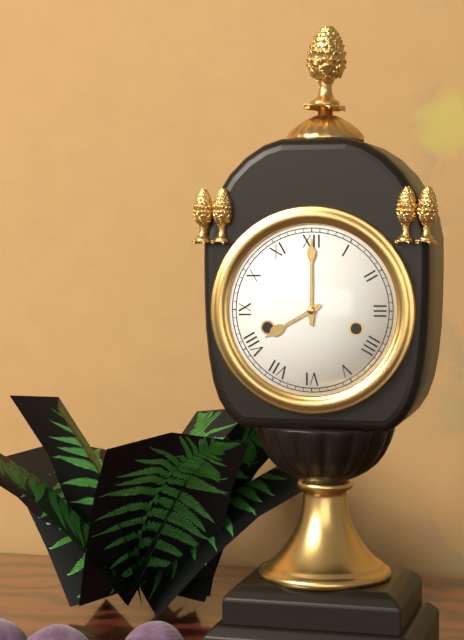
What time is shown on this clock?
8:00
